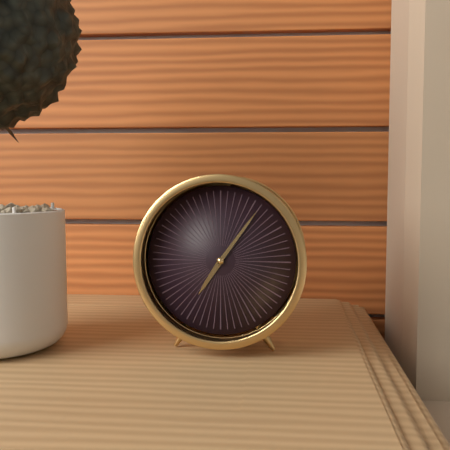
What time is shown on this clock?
7:06
